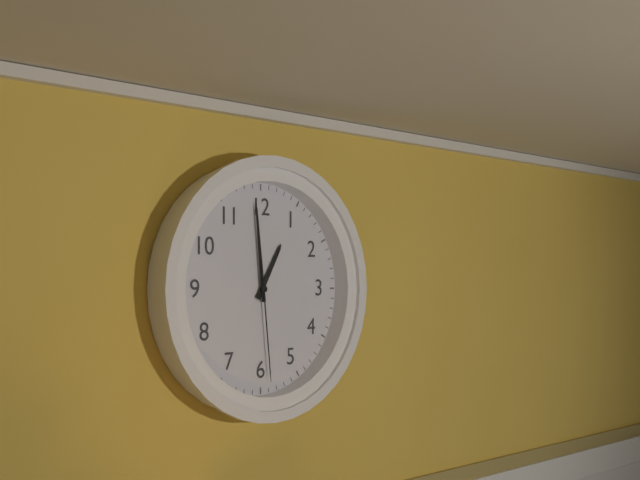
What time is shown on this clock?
12:59:29
